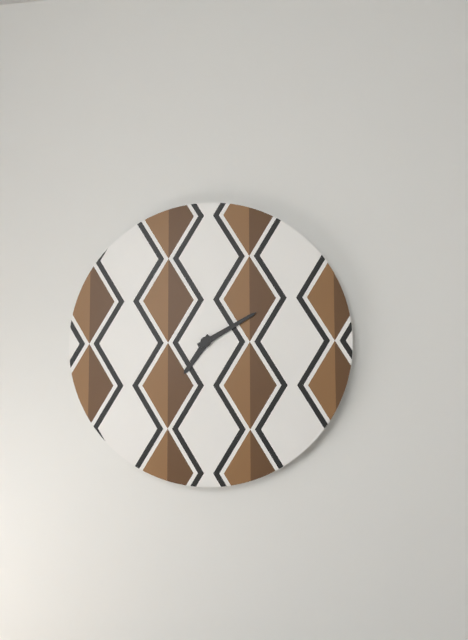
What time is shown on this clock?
7:10
